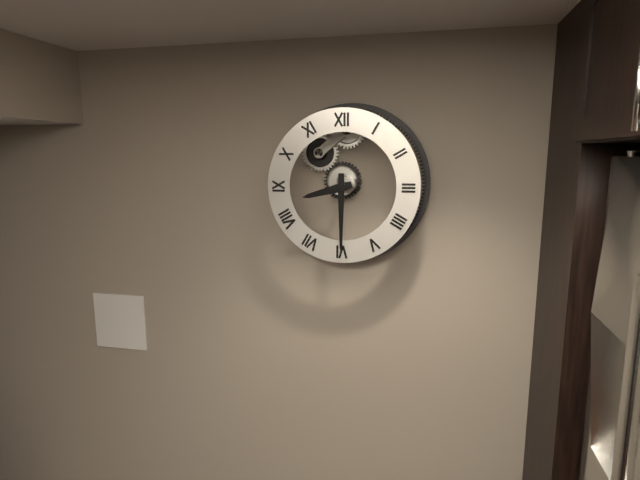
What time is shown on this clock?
8:30
